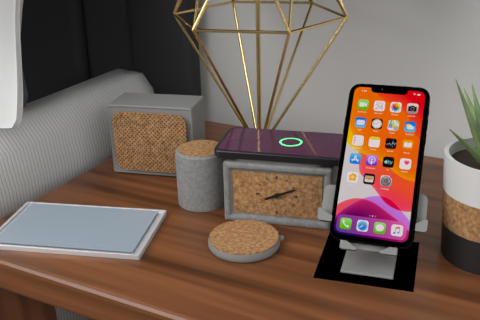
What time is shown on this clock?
8:11
